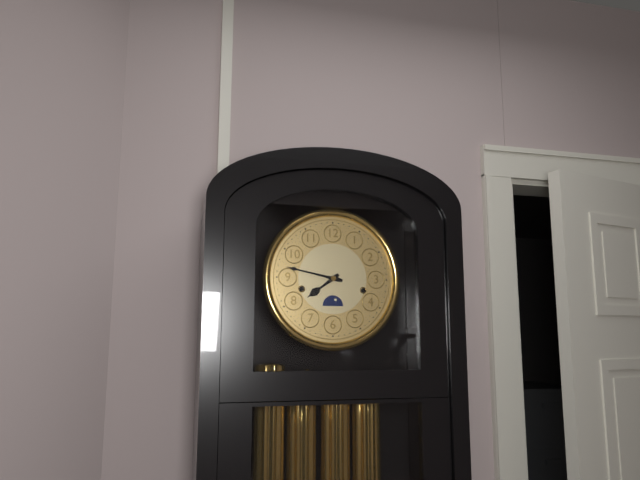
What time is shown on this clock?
7:47
